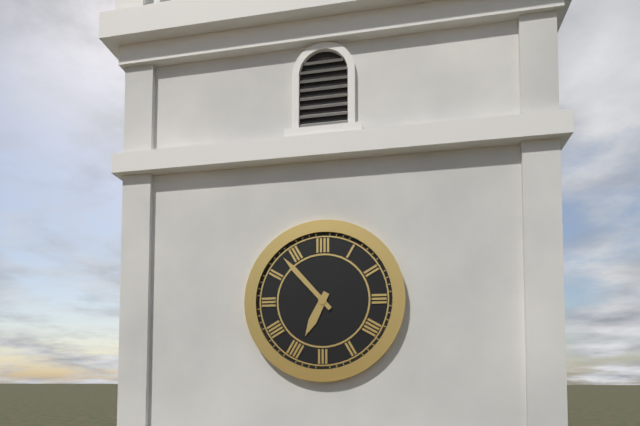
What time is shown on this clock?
6:53
